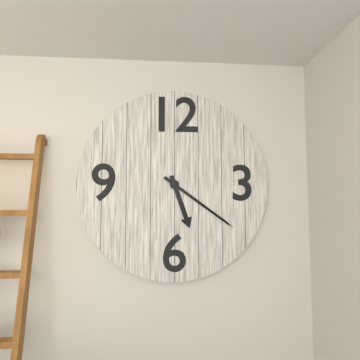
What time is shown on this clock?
5:21
